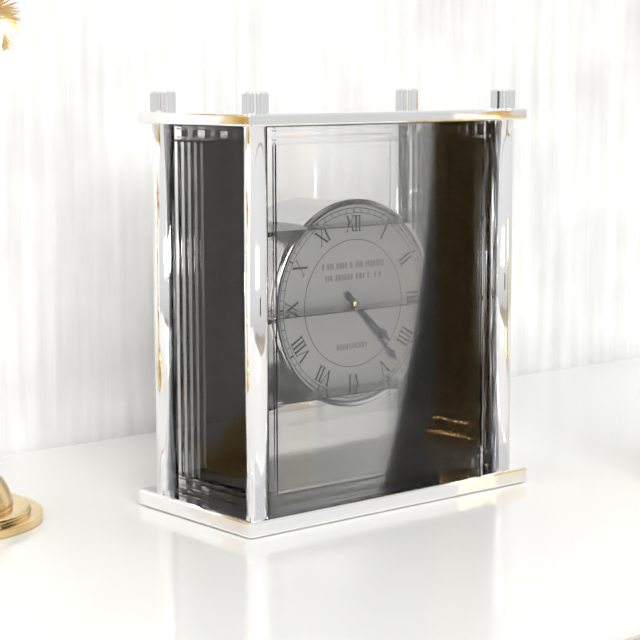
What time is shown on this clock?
4:23
